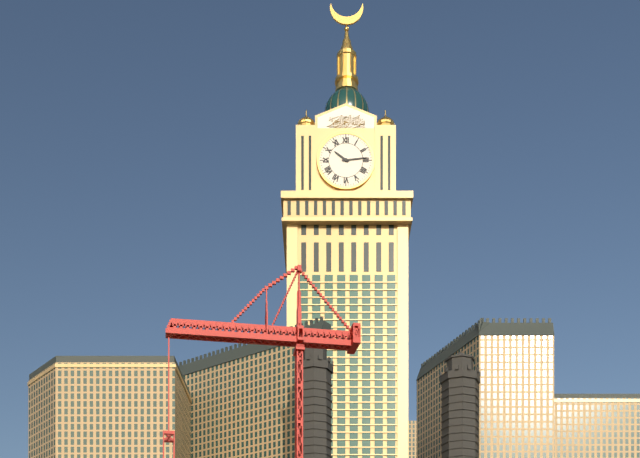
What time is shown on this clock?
10:14
